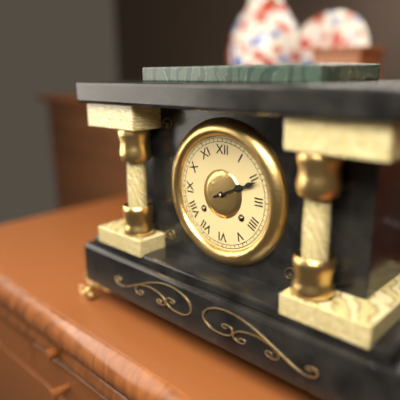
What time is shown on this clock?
2:11
